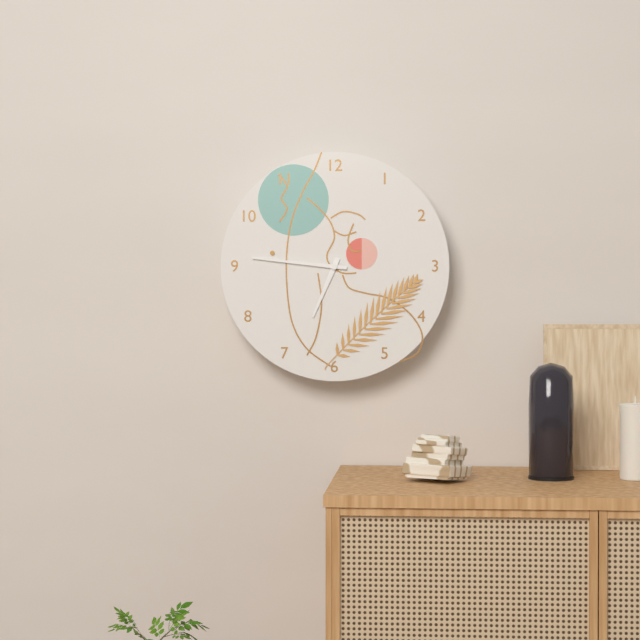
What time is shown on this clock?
6:46
